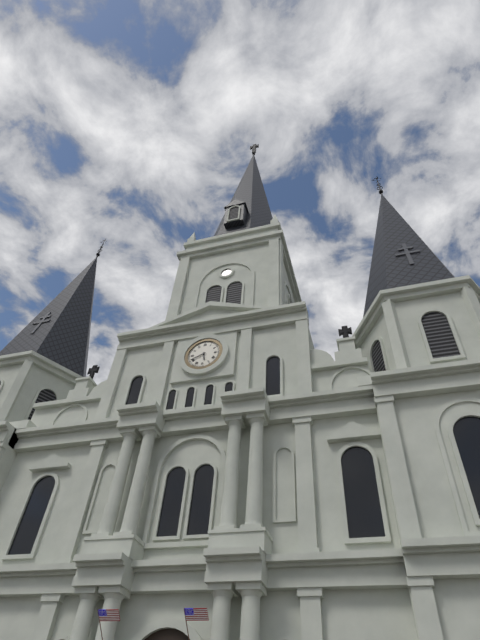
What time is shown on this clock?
5:41
